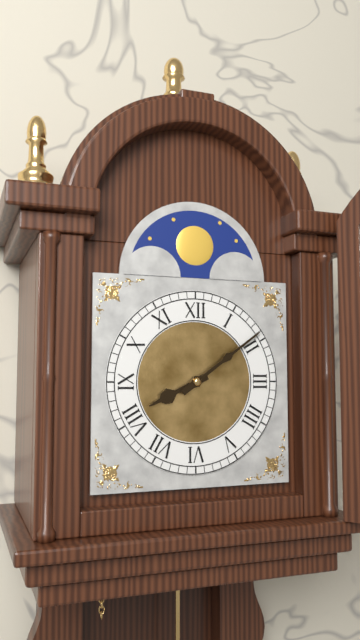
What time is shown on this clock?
8:09
